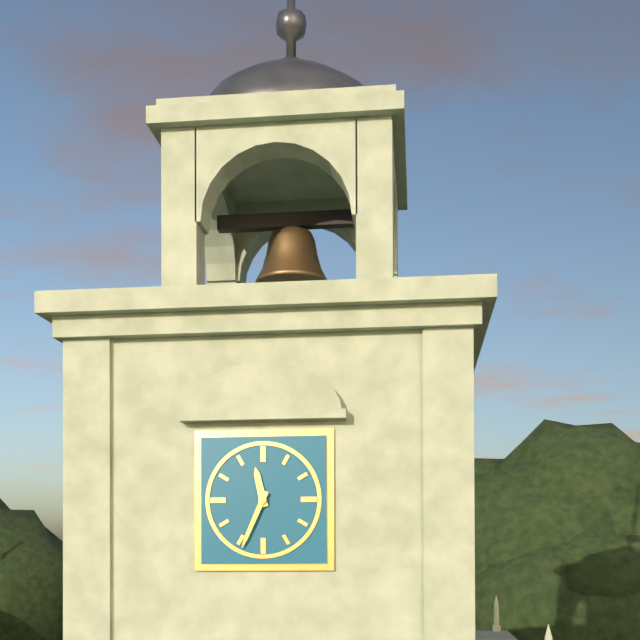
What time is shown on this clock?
11:34
